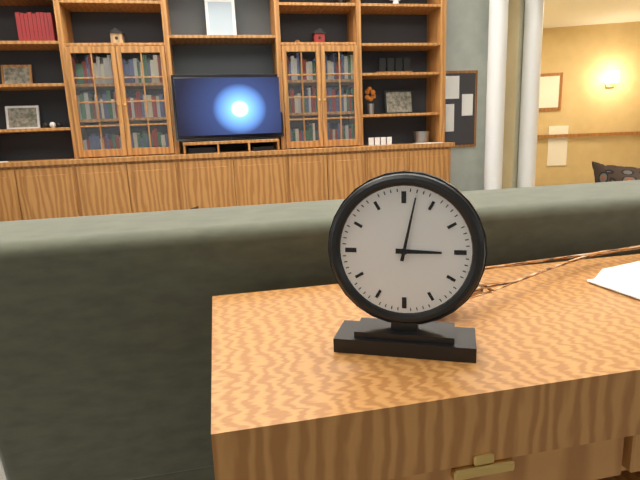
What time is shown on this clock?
3:02
